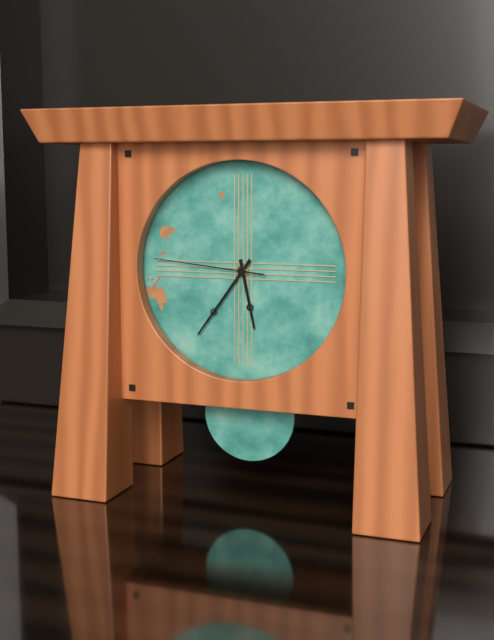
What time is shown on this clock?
5:36:46
